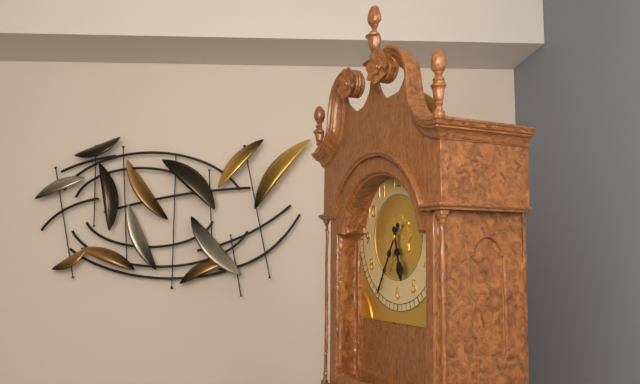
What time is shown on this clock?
5:35
